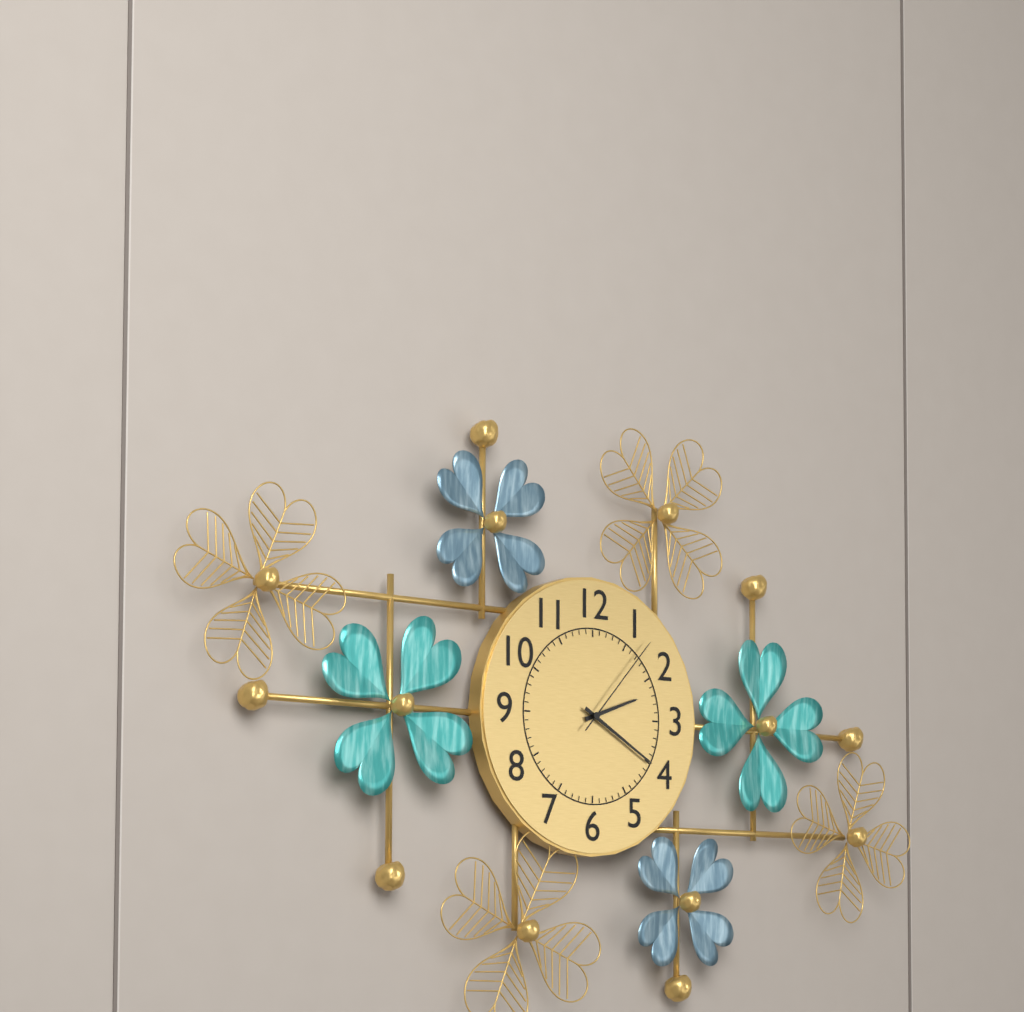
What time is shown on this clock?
2:20:07
